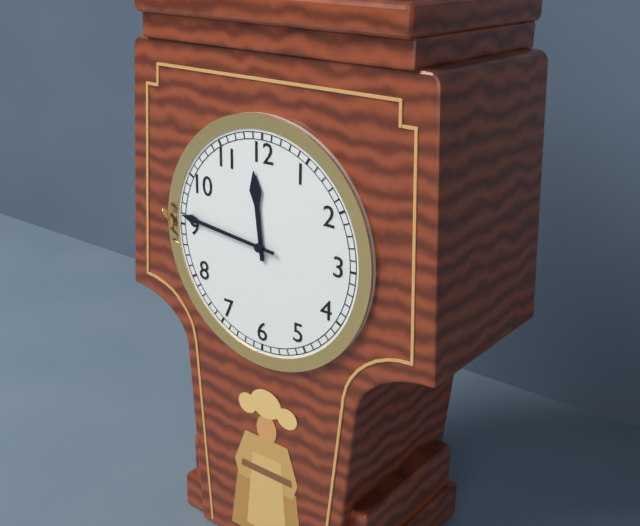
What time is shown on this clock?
11:46
